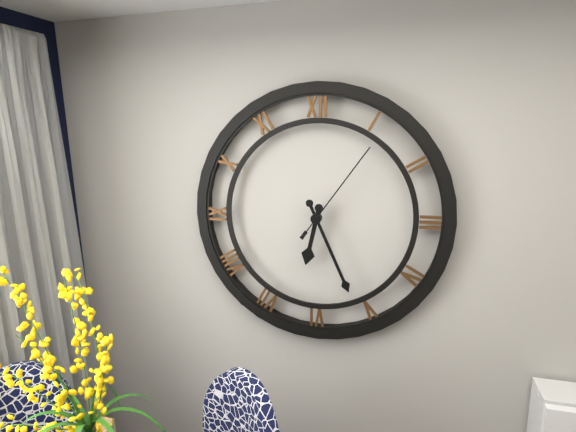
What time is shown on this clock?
6:26:06
